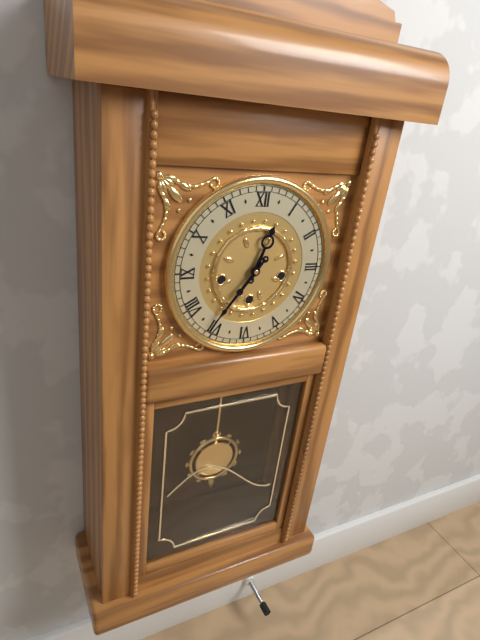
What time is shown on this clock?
12:36
